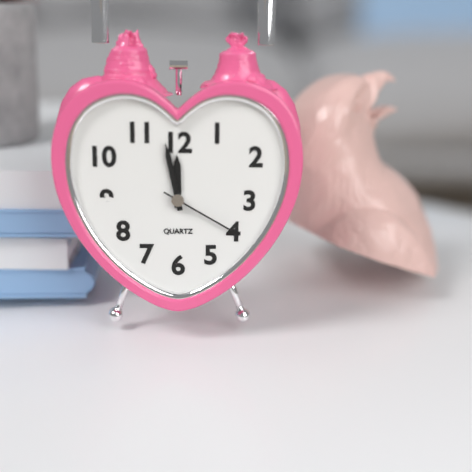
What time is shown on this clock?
11:58:20
